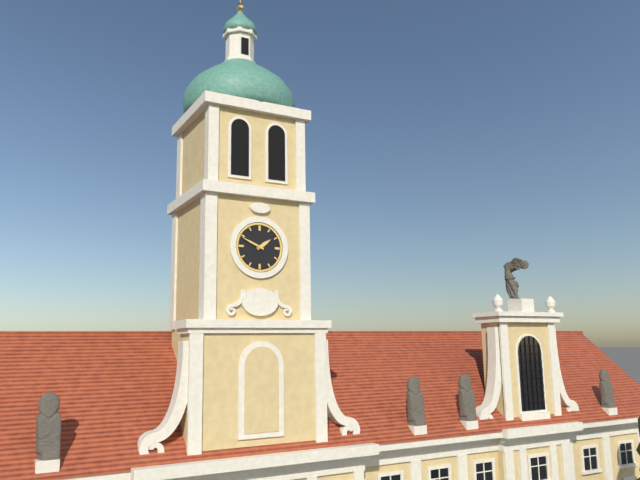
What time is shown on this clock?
1:49
